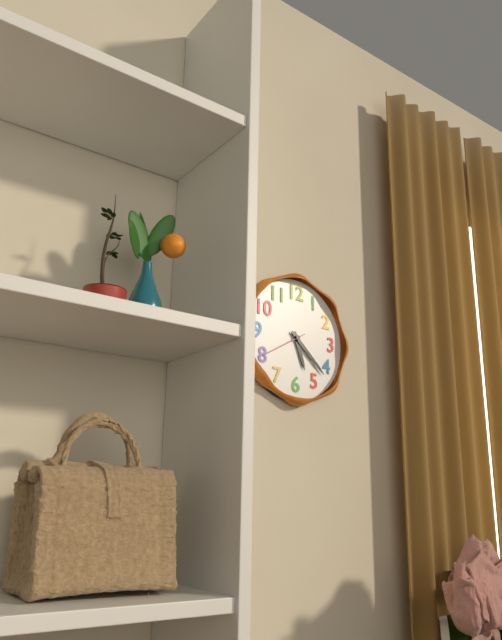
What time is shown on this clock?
5:22:40
